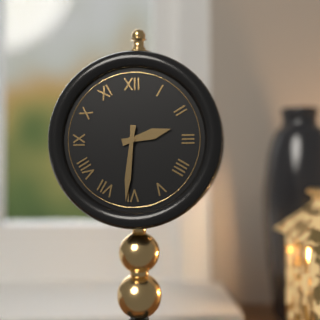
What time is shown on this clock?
2:31
